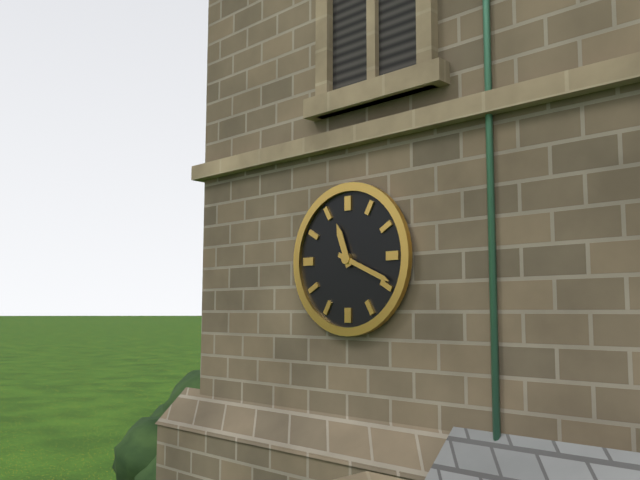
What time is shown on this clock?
11:19
